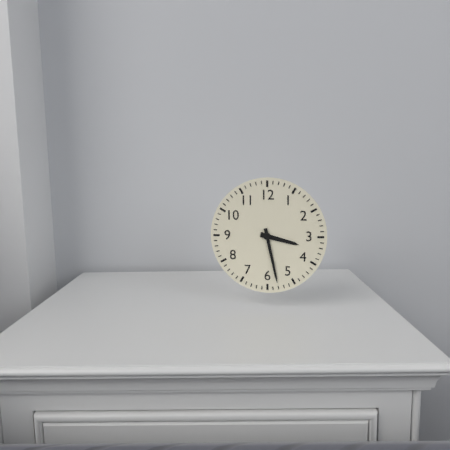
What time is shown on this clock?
3:28
